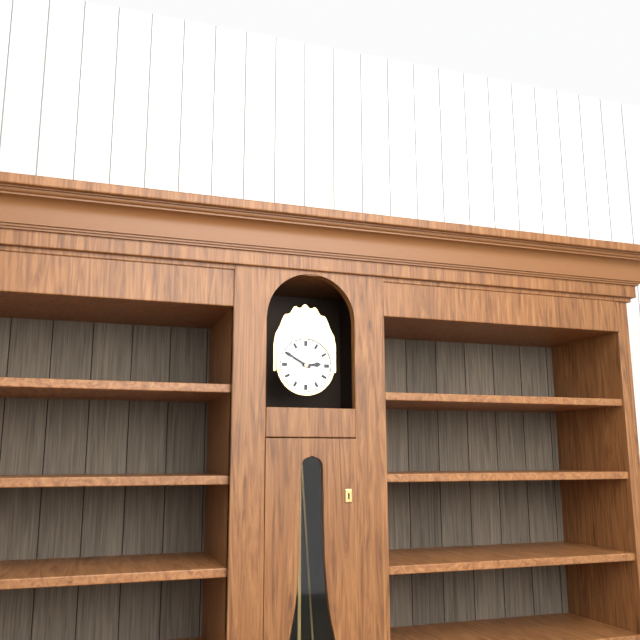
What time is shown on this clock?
2:50
